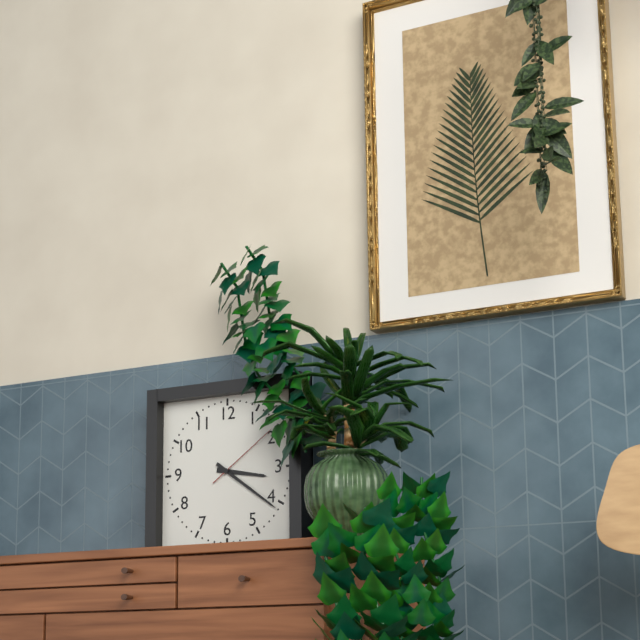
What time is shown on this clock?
3:21:09
